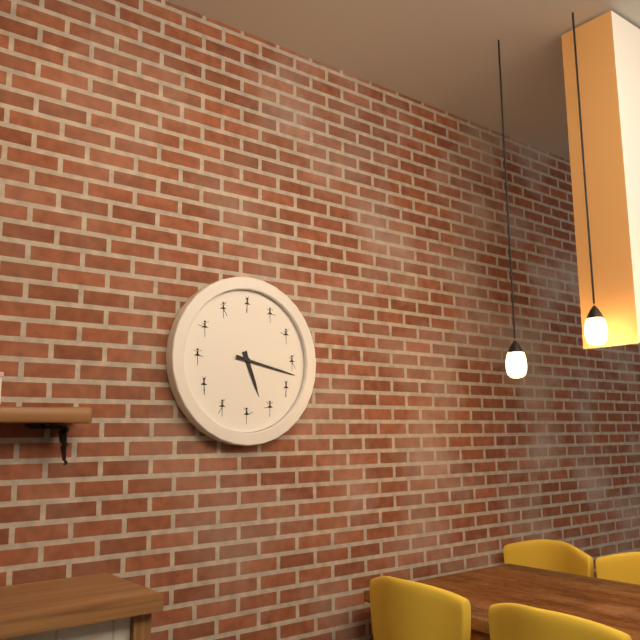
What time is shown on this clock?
5:17
